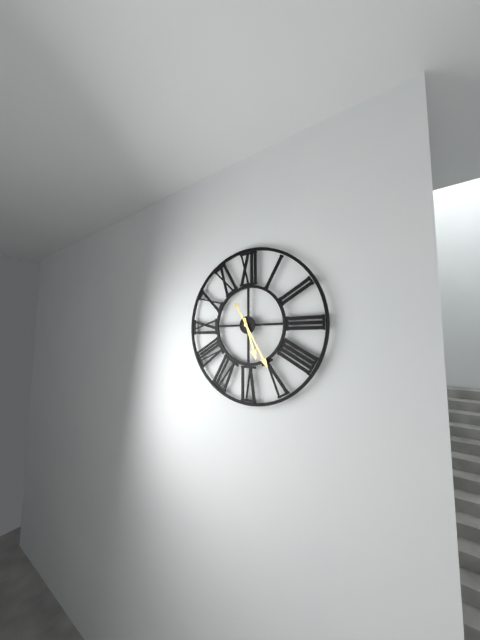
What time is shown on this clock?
5:25
